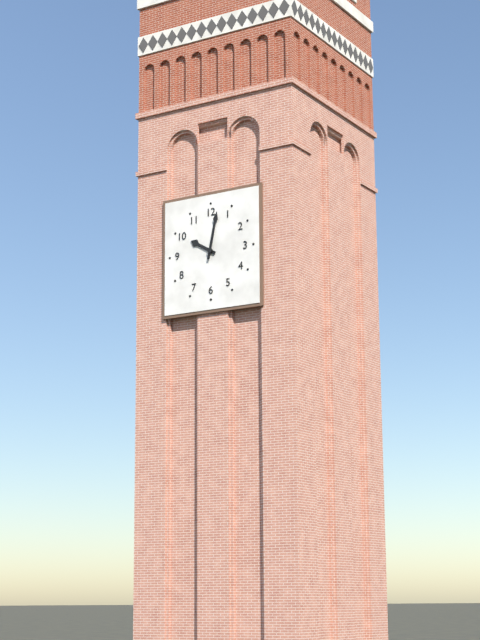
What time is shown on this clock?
10:02
